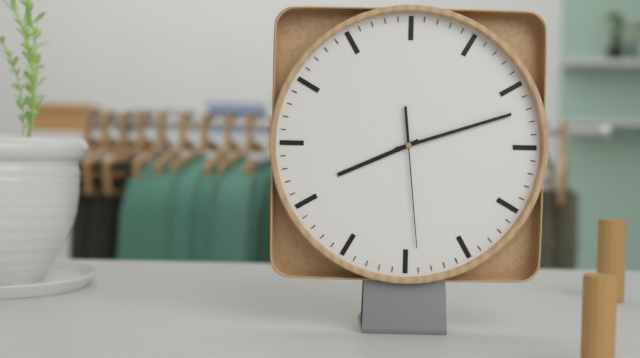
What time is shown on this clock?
8:12:29
